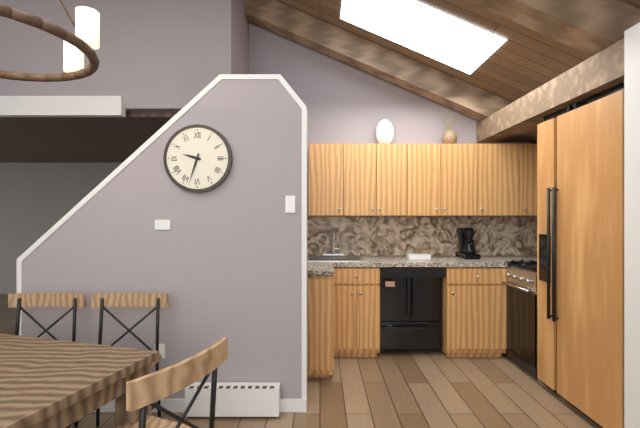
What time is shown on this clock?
9:33
